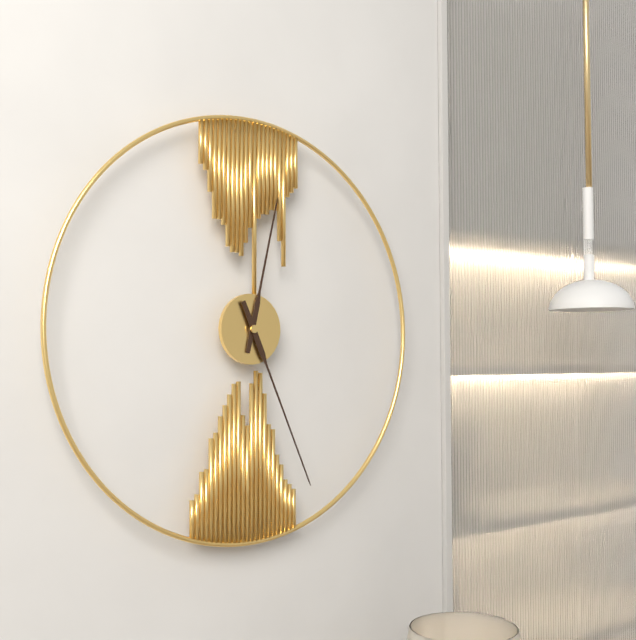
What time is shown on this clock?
12:26
